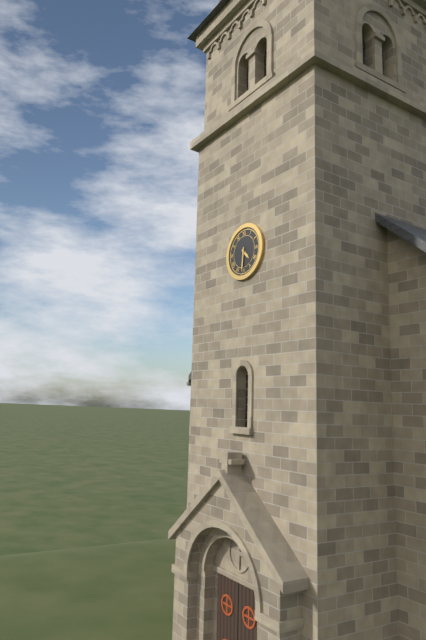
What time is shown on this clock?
4:31
